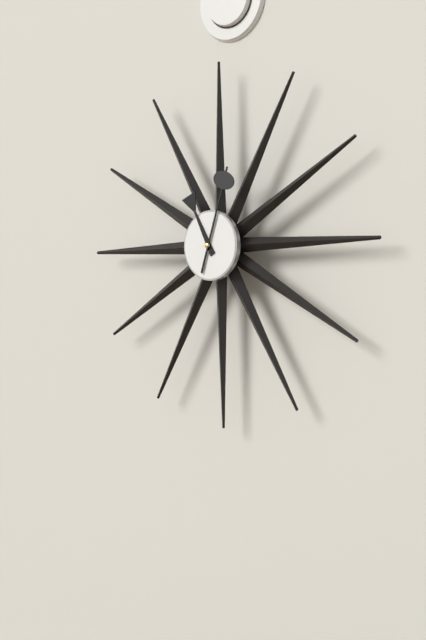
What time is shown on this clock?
11:03
